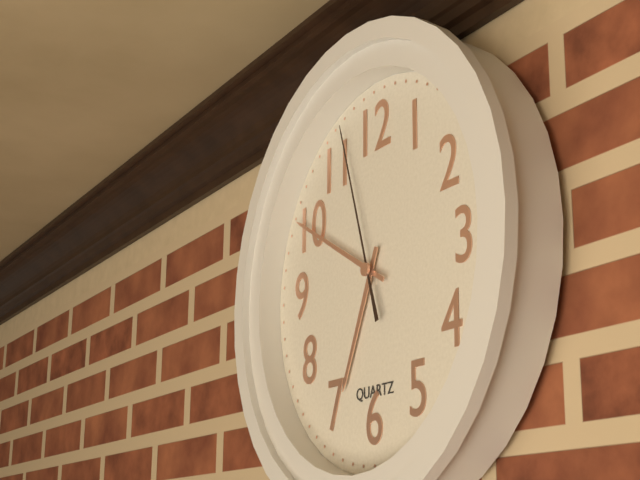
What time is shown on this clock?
6:50:57
